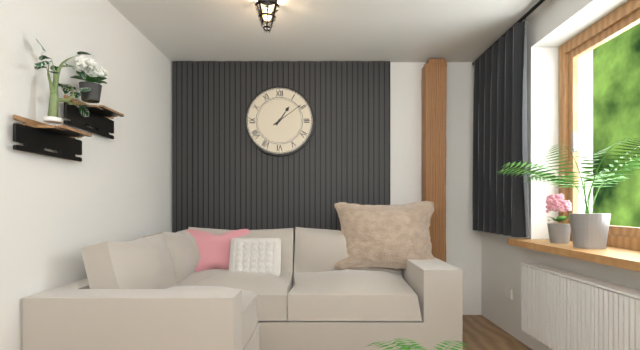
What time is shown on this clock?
1:09
